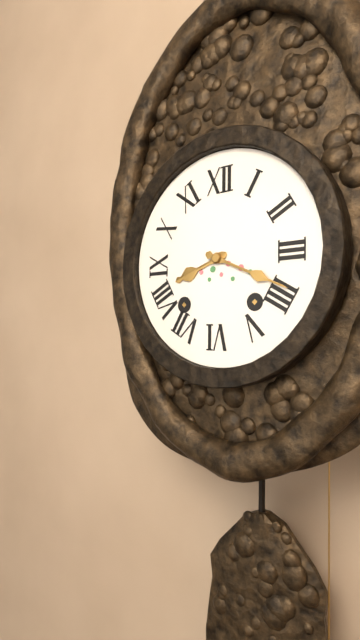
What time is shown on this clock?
8:19
